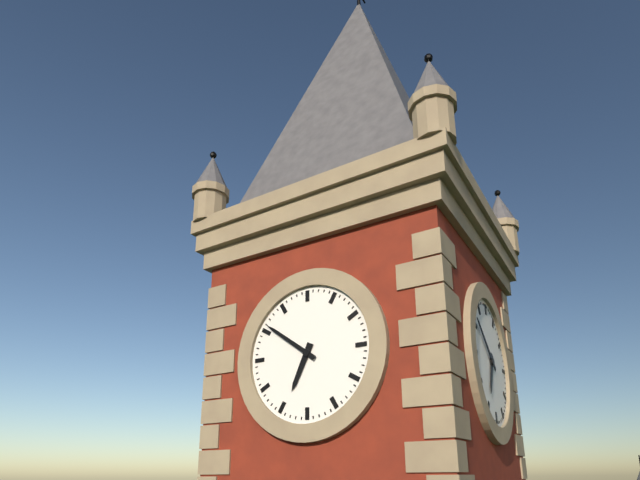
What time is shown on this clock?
6:51
